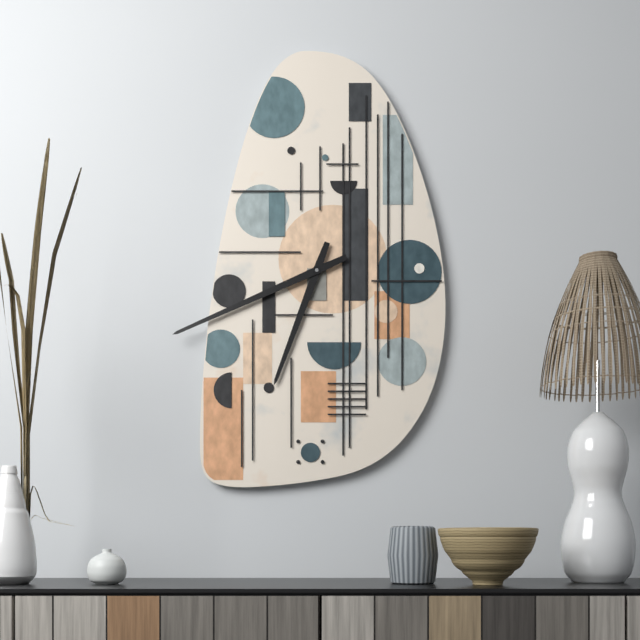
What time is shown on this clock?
6:41
